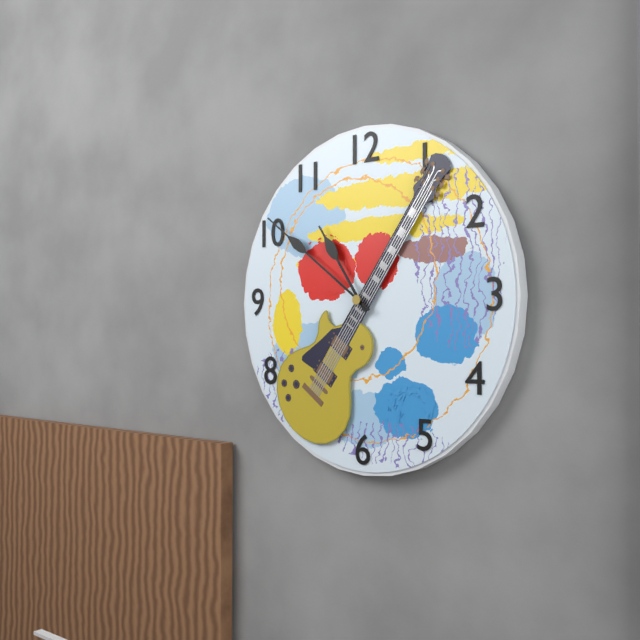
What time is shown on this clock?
10:51:06
